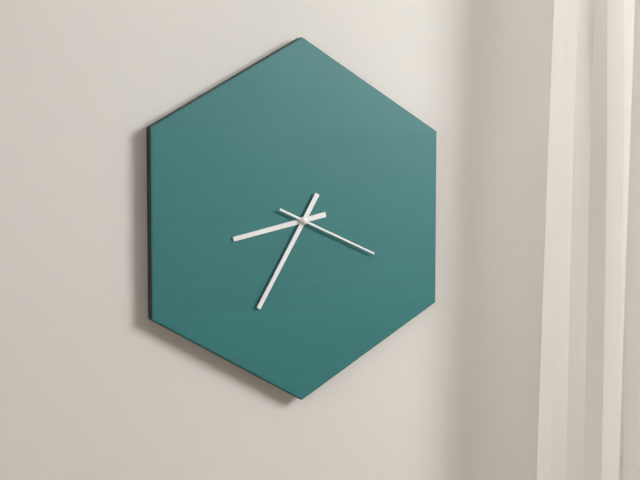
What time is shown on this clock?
8:35:19
